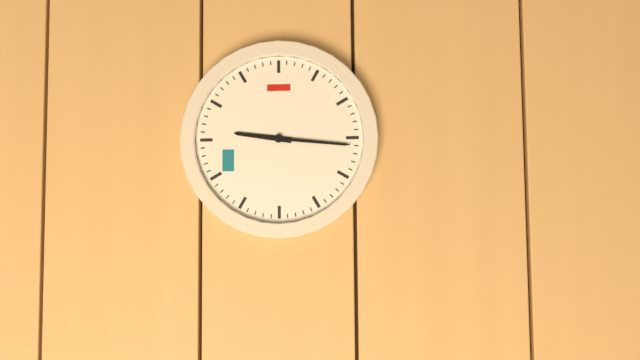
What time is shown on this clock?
9:16
